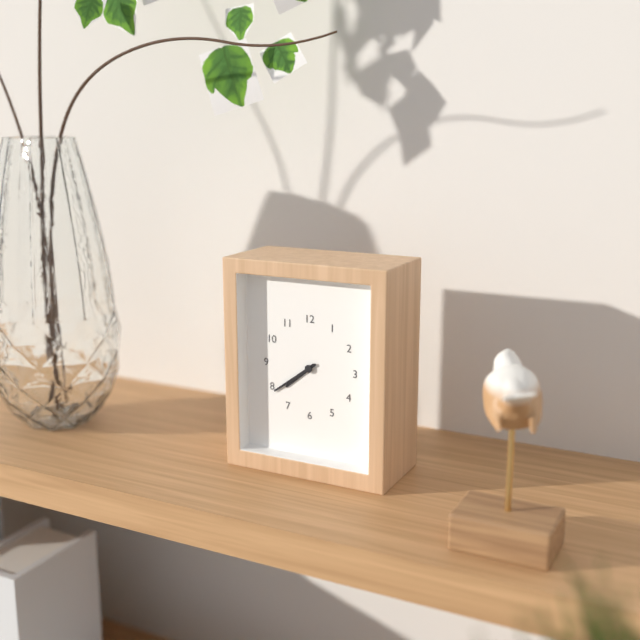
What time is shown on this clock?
7:39
